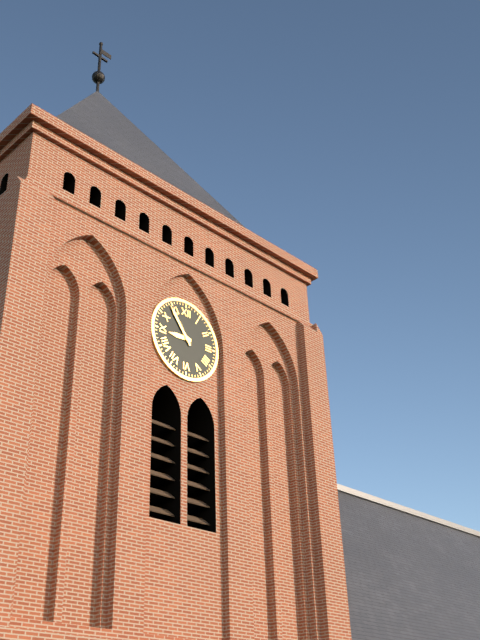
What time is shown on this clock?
8:54
